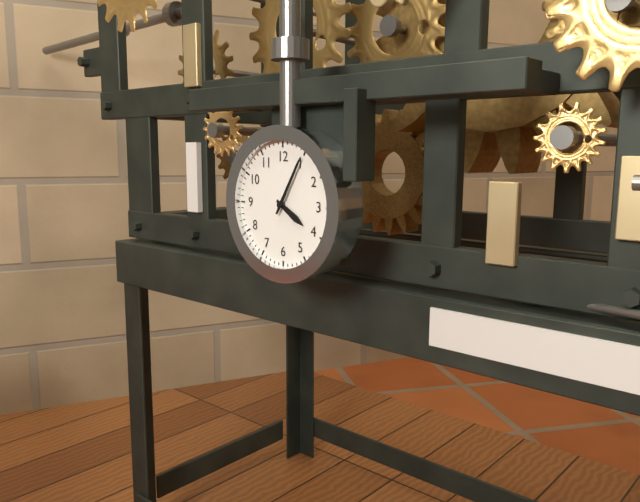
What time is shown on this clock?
4:05
